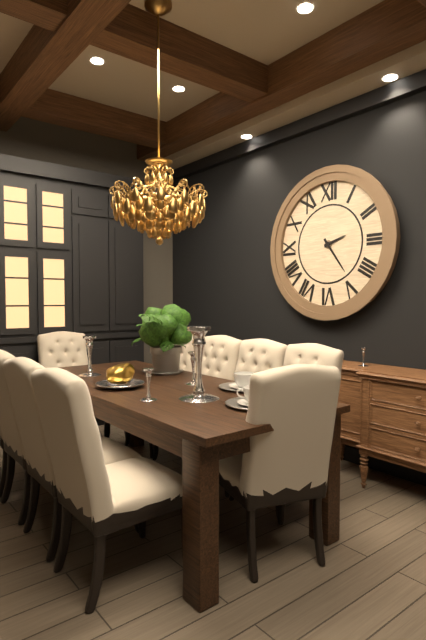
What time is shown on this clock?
2:24
